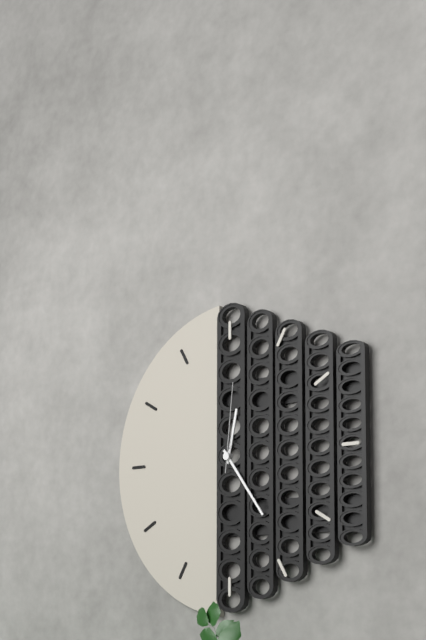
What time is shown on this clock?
12:24:01
